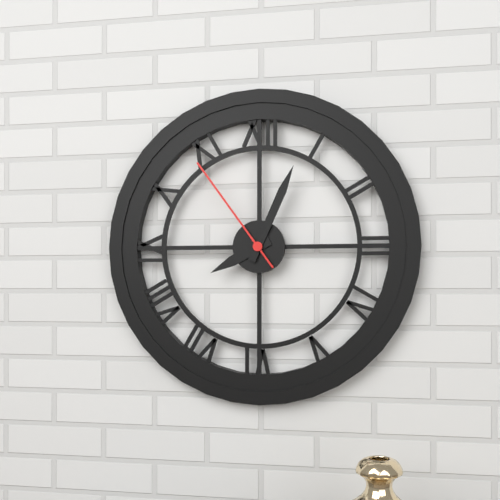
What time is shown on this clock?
8:04:54
